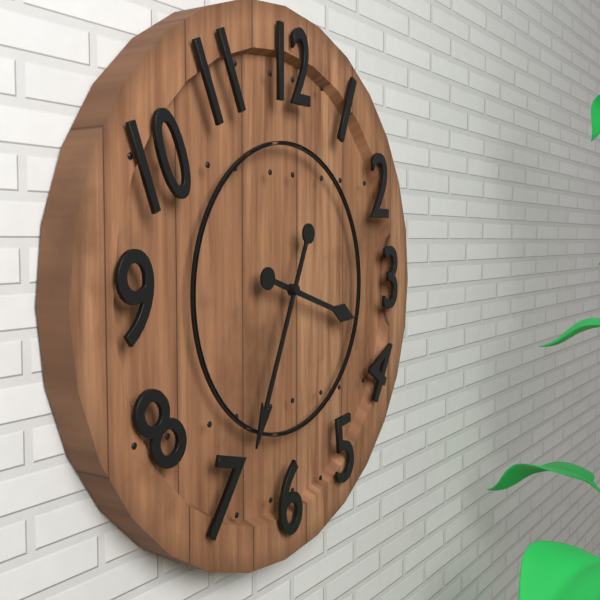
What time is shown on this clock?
3:34
